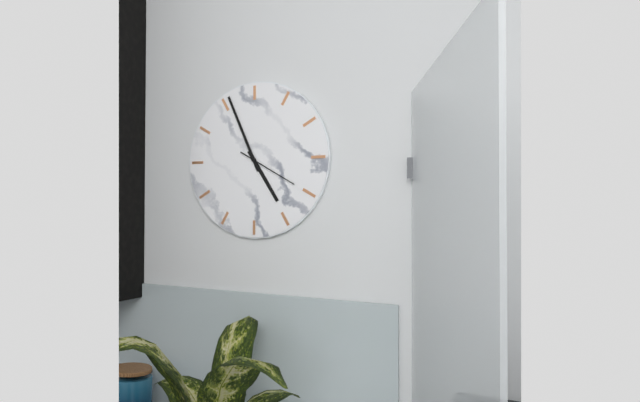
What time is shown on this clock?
4:56:20
